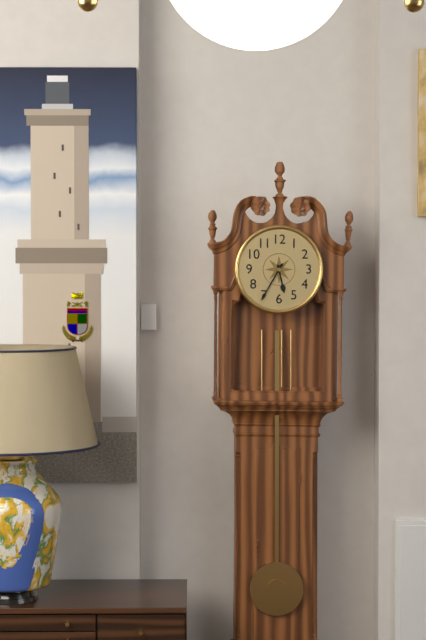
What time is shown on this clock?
5:35
